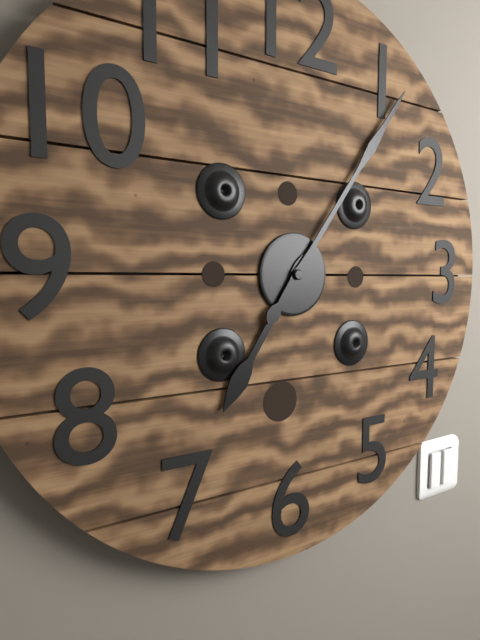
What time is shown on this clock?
7:06
